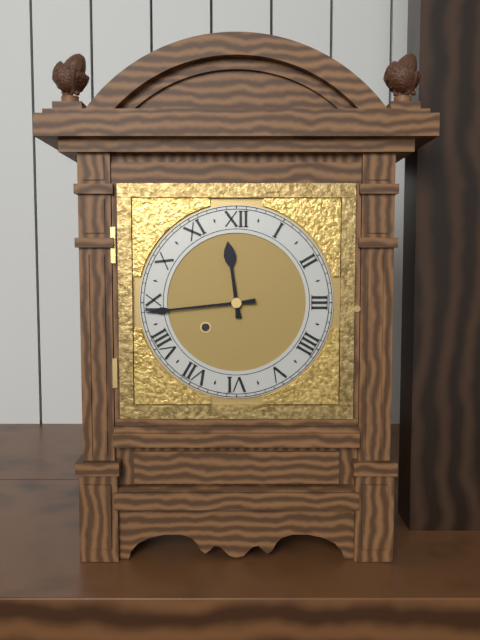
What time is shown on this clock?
11:44
